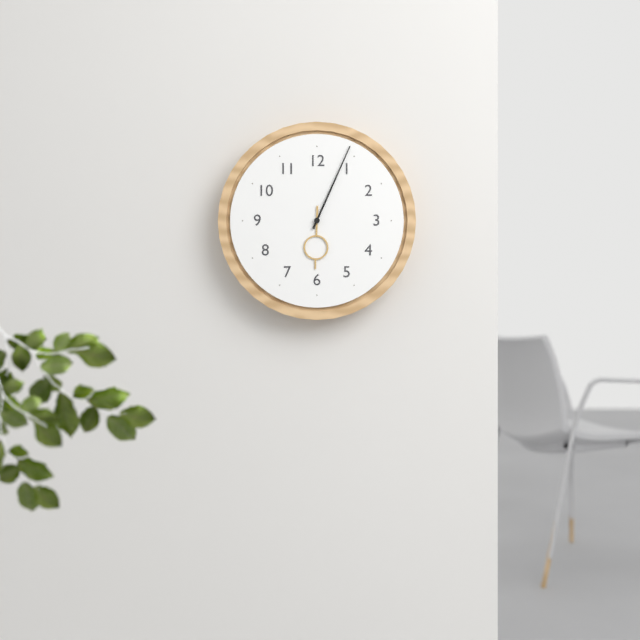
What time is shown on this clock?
6:04
